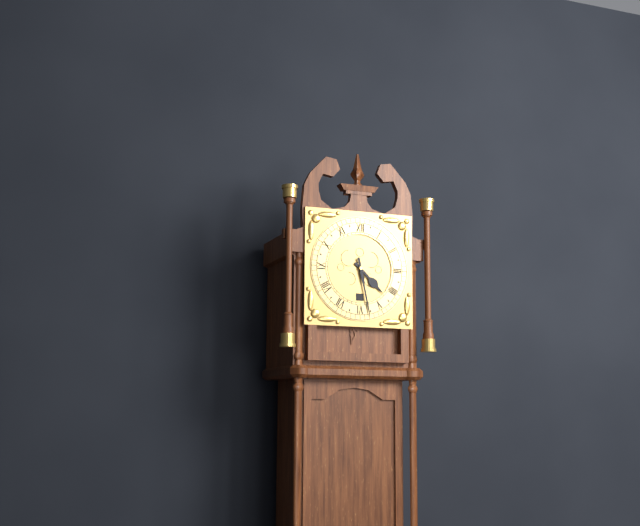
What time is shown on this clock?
4:28
